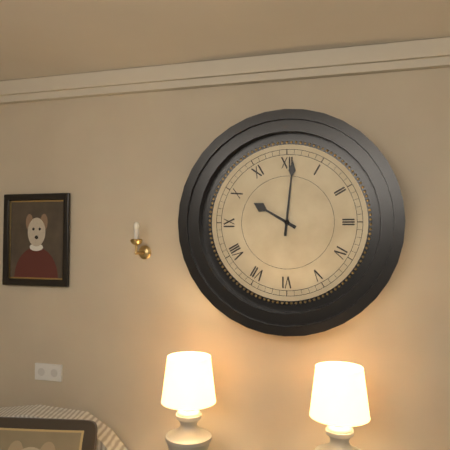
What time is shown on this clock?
10:01
